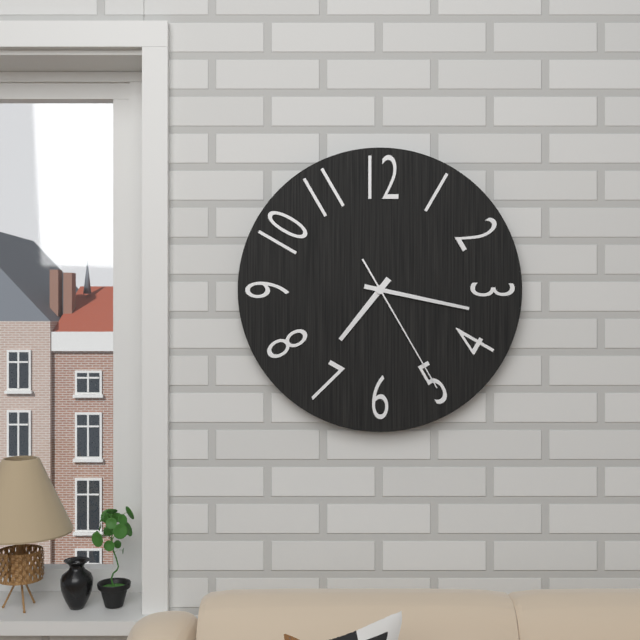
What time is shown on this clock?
7:17:25
